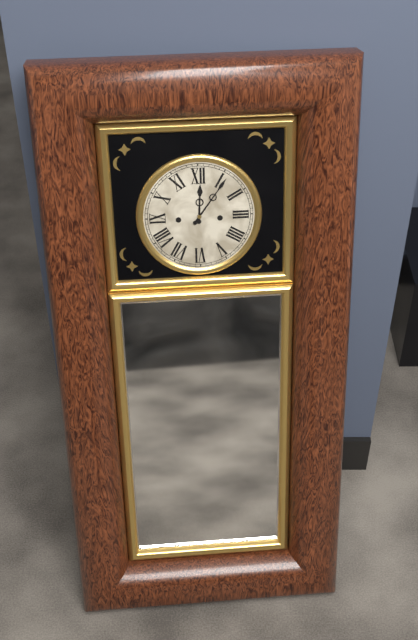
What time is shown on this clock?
12:06
